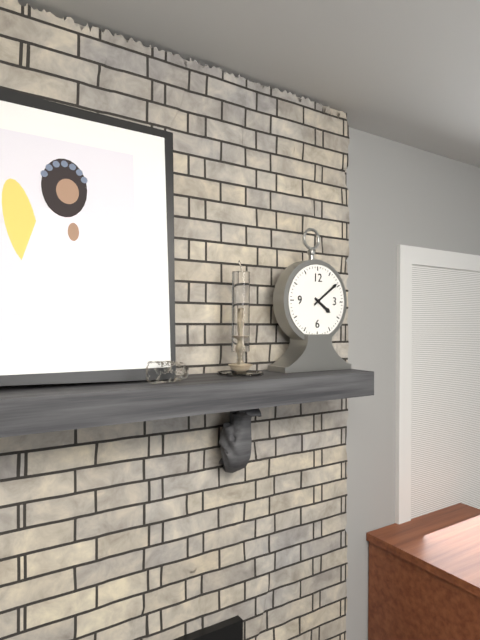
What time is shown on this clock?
4:09
